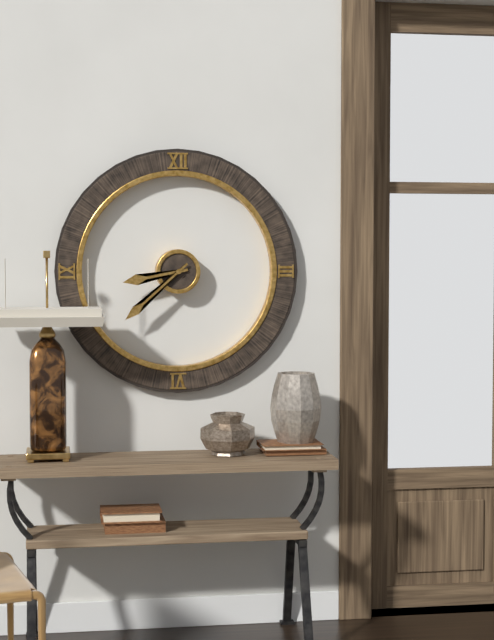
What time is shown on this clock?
8:38
